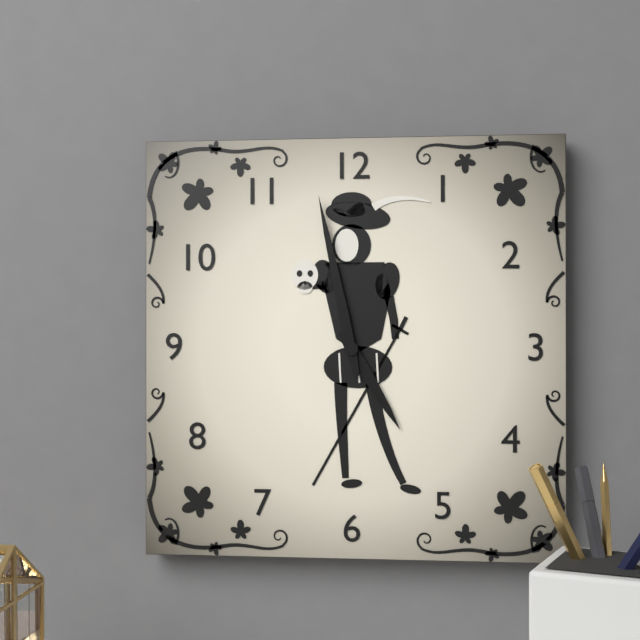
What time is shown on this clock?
4:58
